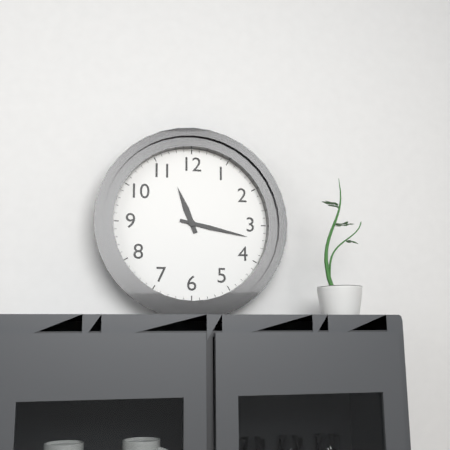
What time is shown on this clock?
11:17
